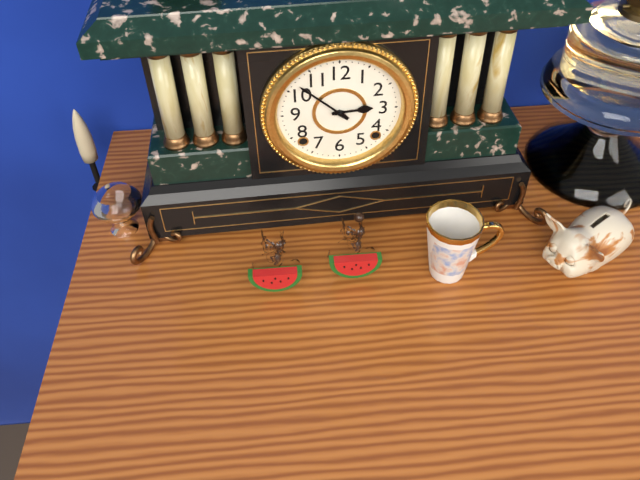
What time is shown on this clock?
2:52
